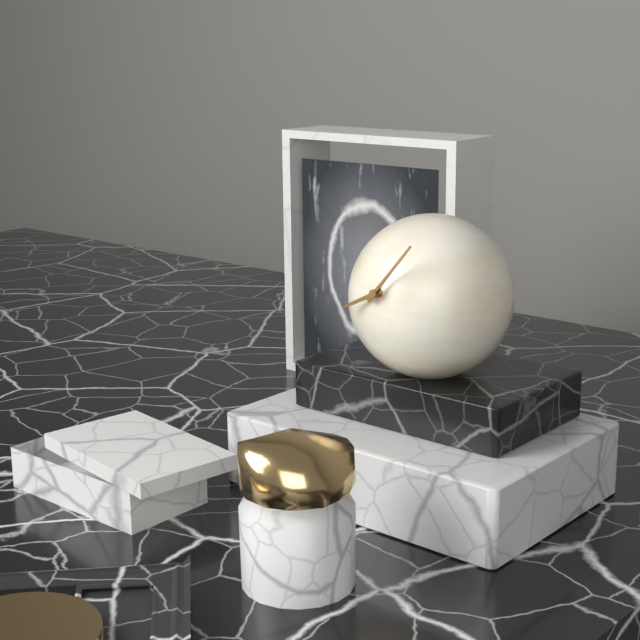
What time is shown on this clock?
8:06
